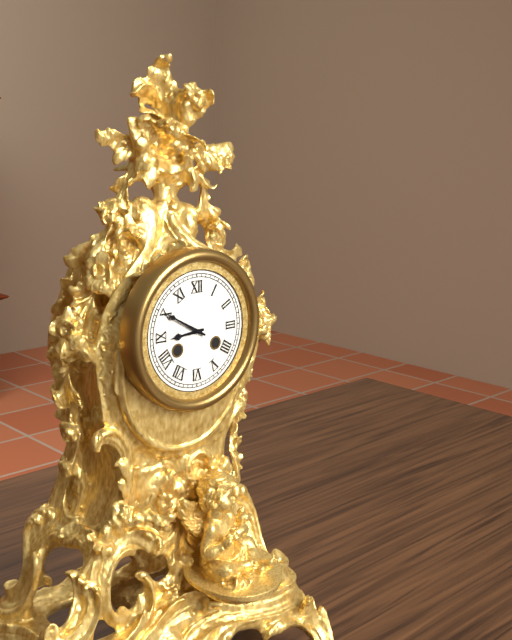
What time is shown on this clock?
8:50
